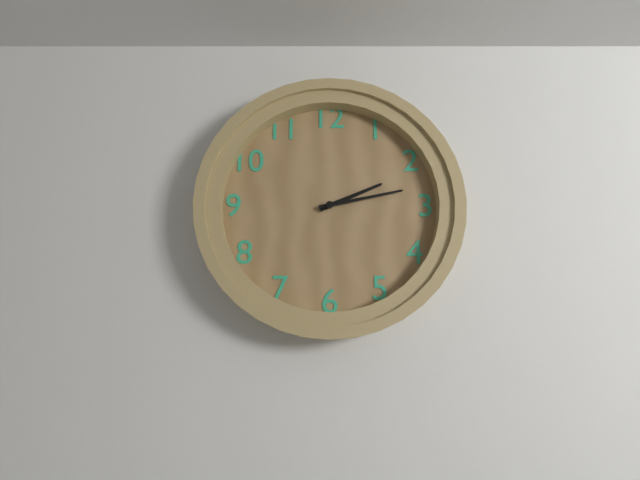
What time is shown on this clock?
2:13
